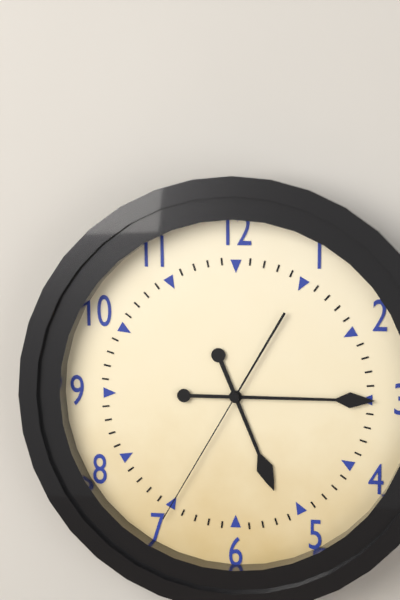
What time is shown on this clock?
5:15:35
